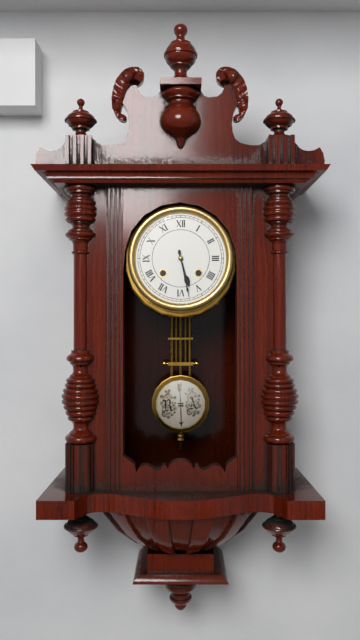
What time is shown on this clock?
5:28
